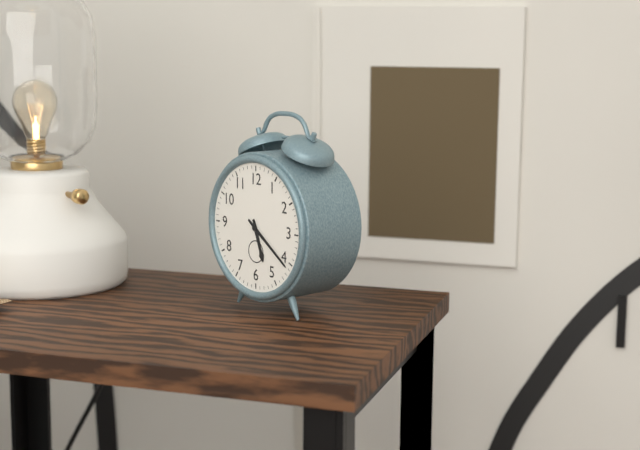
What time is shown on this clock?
5:21
